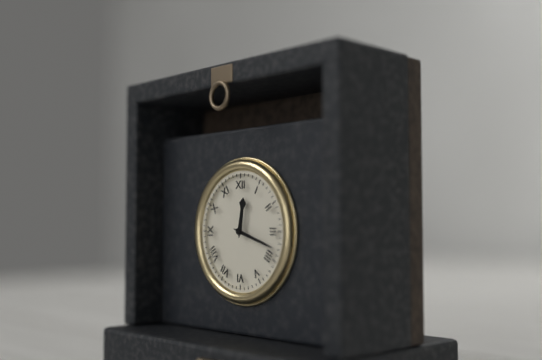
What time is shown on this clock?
12:18
